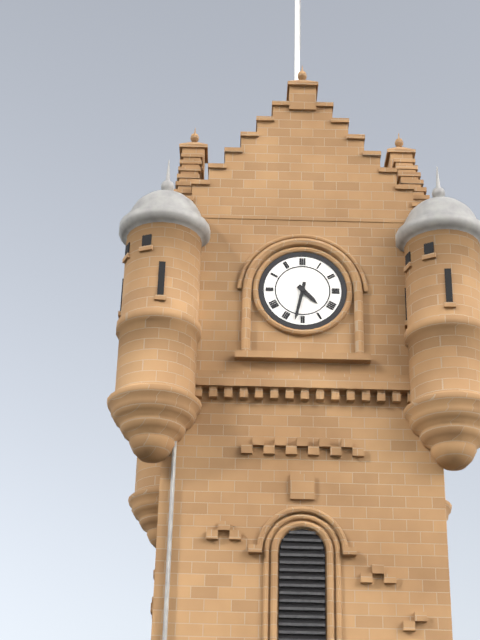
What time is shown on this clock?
4:32
